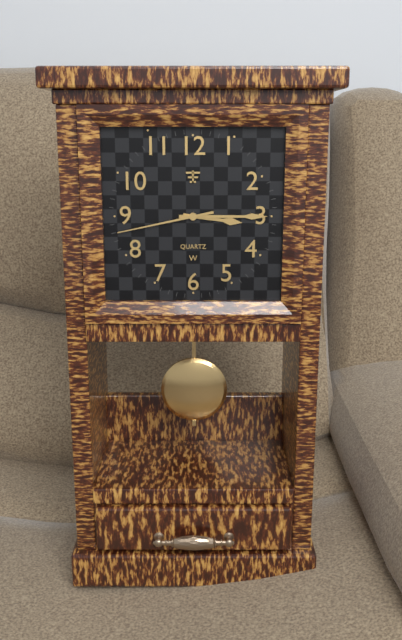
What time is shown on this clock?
3:15:43
